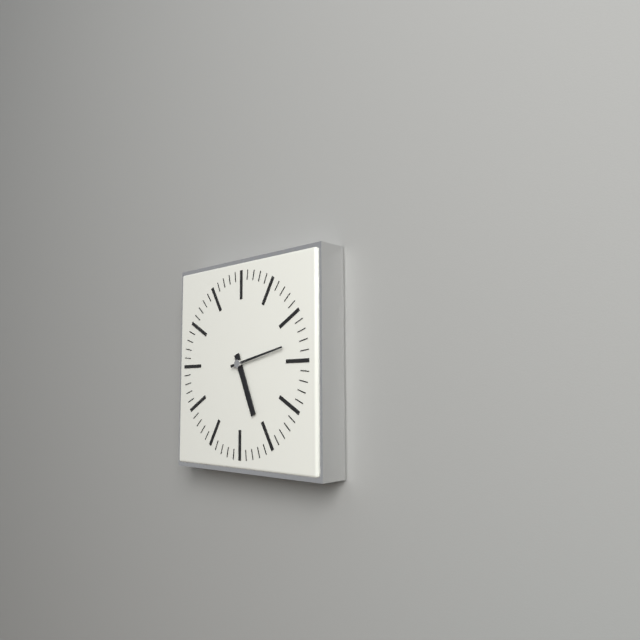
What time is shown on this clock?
5:13
